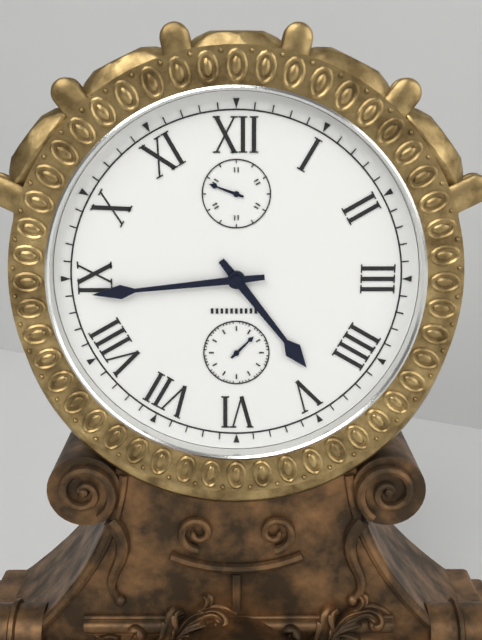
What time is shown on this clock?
4:44
